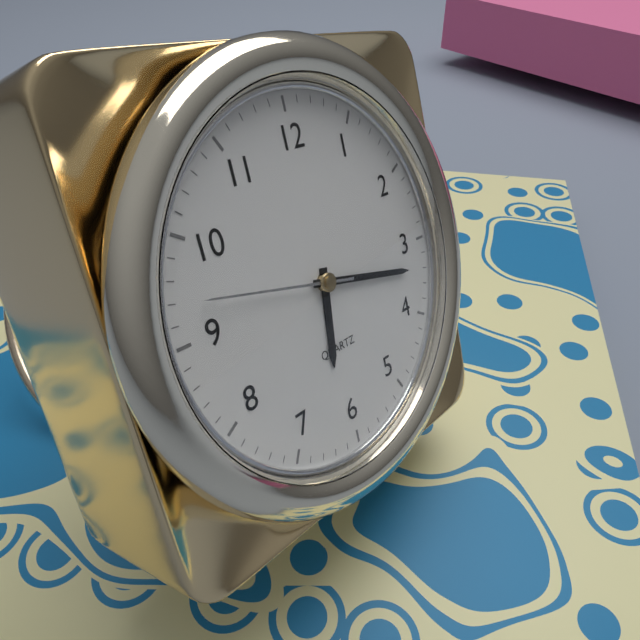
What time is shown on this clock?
6:17:47
